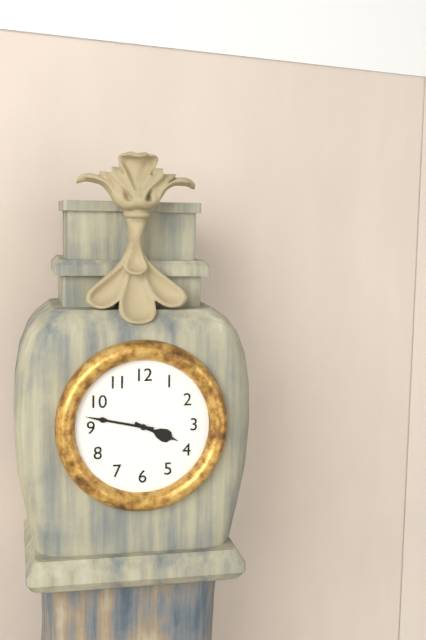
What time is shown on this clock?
3:47
